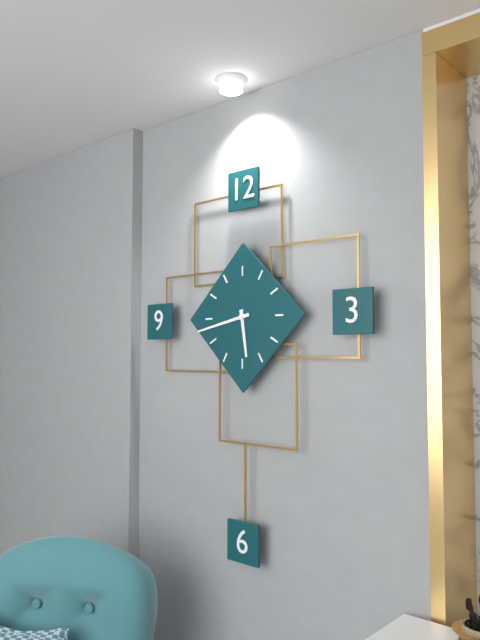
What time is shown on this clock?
5:43
